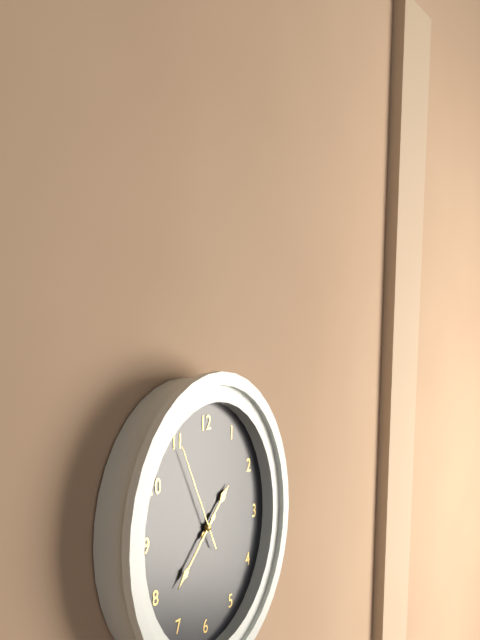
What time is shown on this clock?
1:38:55
